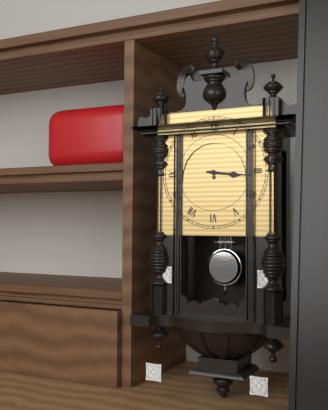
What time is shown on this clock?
3:16
